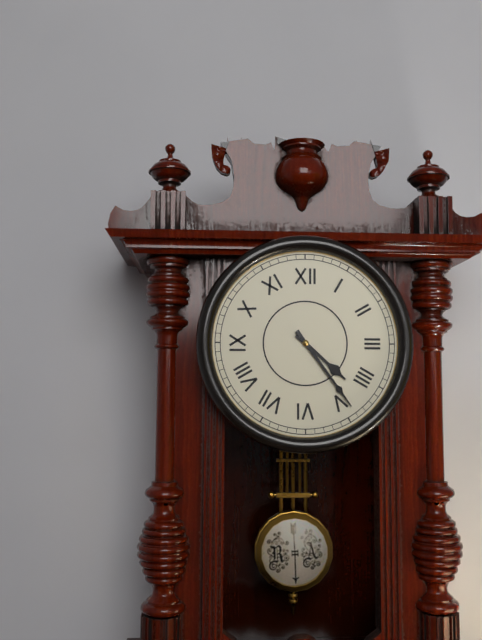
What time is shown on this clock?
4:24
